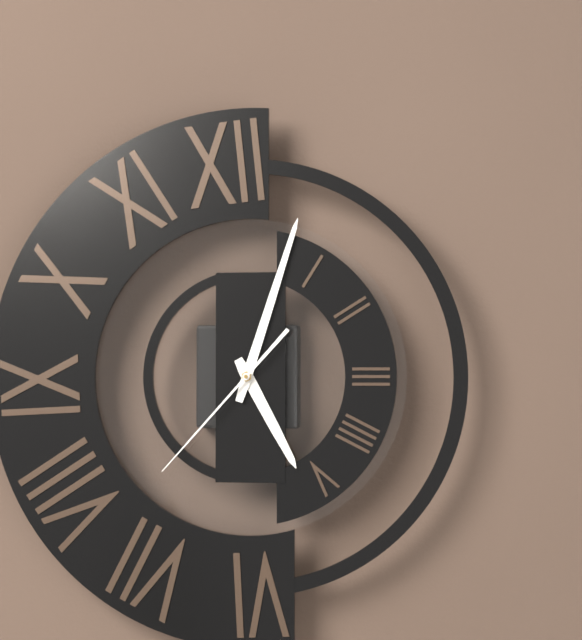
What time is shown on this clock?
5:03:37
